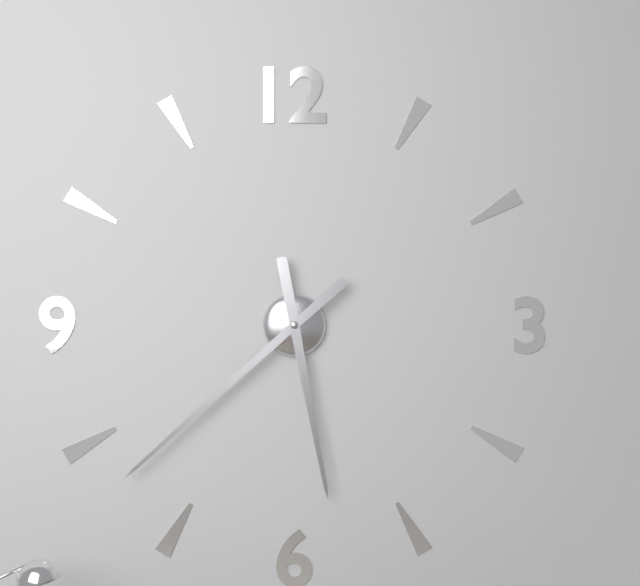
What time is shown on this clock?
5:38
